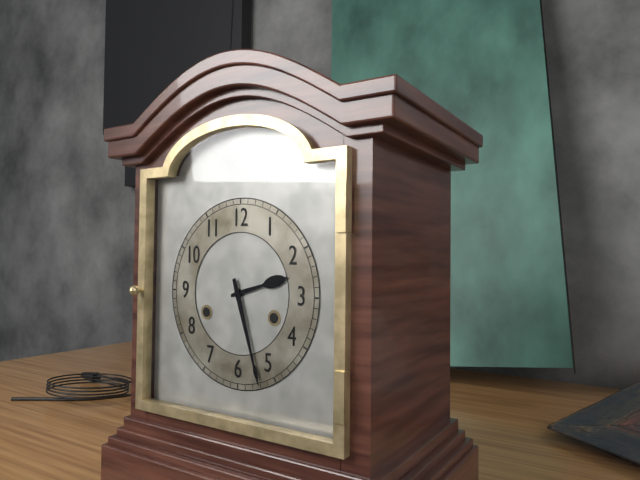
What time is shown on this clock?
2:27
